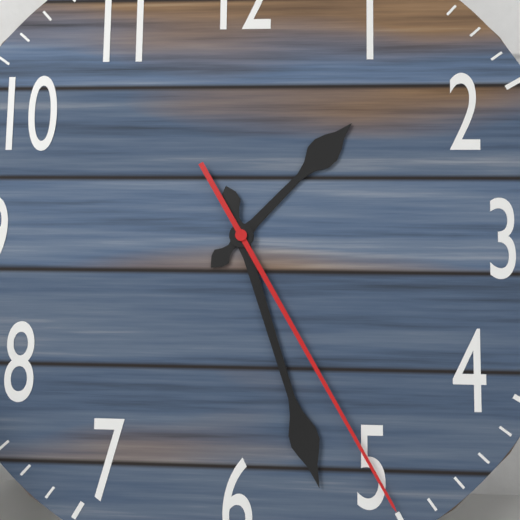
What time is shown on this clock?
1:27:25
